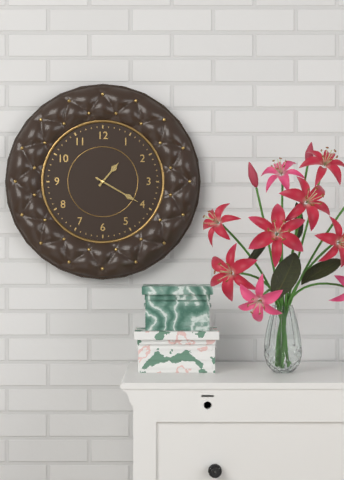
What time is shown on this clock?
1:20
